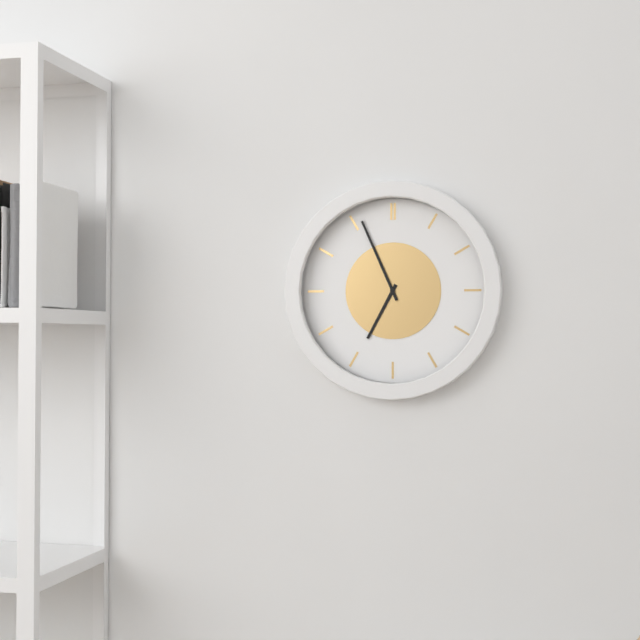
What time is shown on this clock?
6:56
